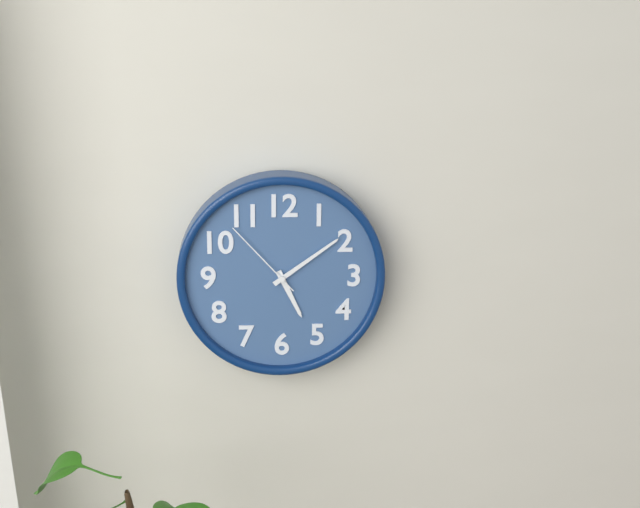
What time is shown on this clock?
5:09:53
